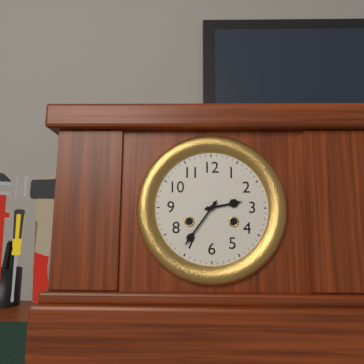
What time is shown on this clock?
2:36
